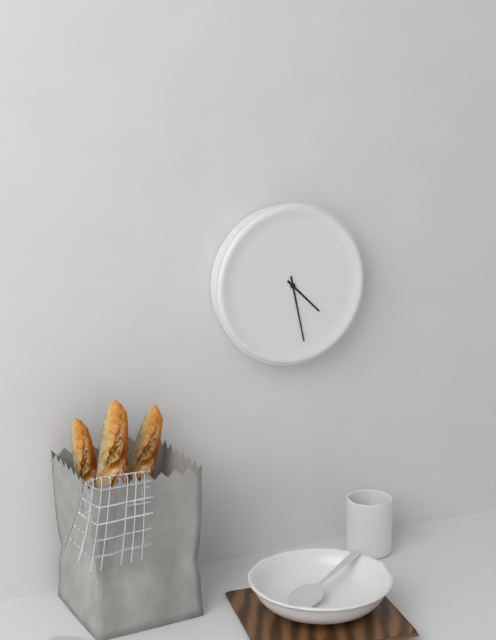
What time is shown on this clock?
4:28
